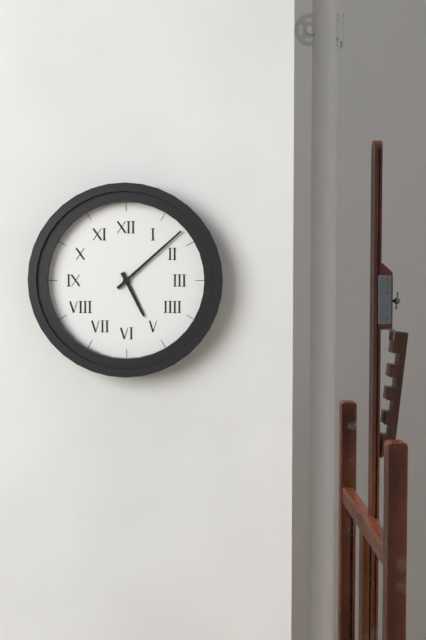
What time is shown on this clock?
5:08
